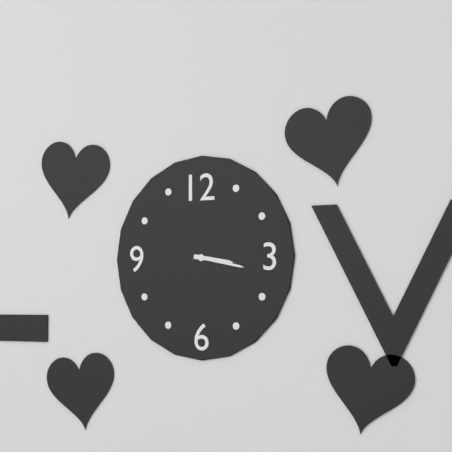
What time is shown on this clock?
3:17
